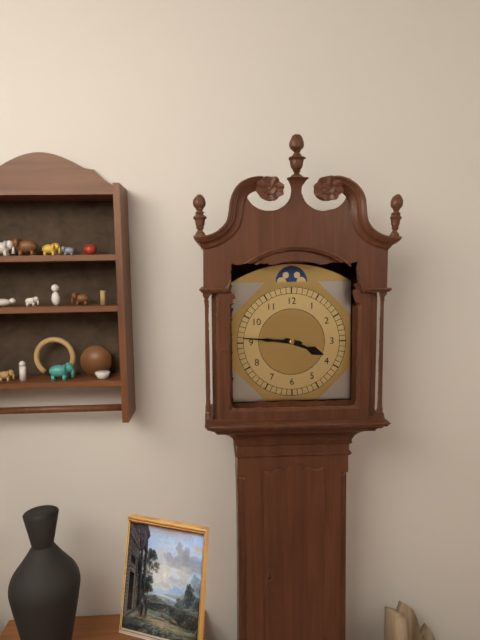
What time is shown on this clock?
3:46
